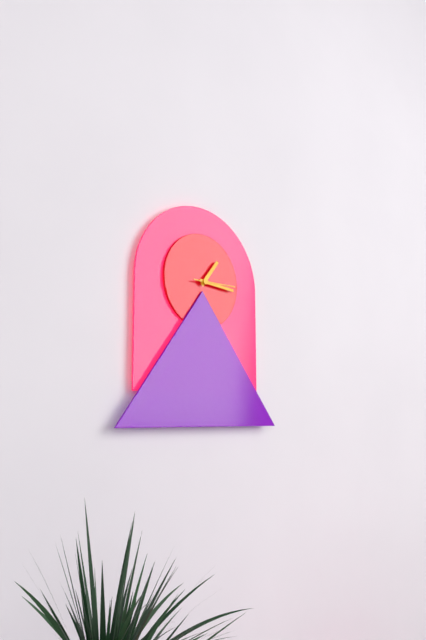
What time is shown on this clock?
1:16
